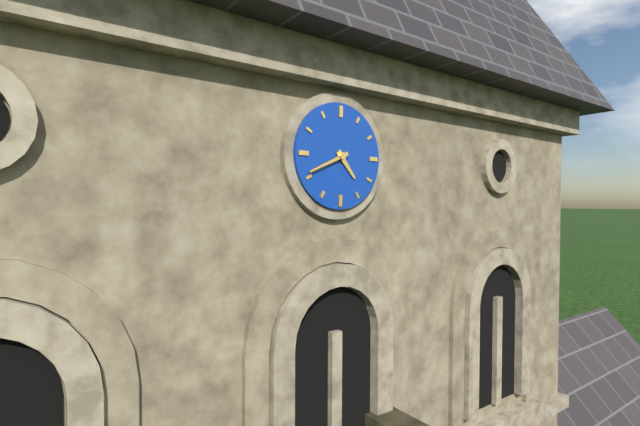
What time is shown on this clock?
4:41
